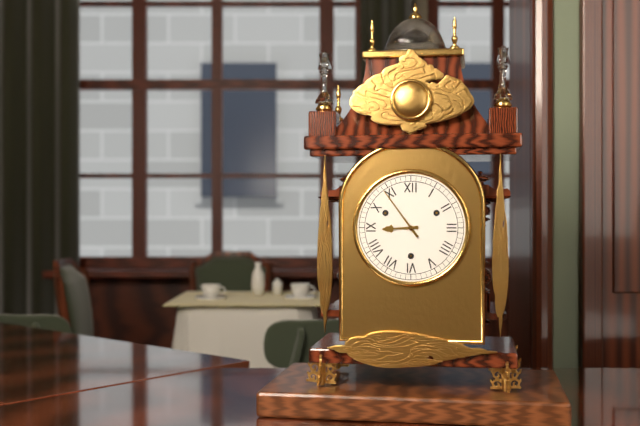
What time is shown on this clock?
8:54
